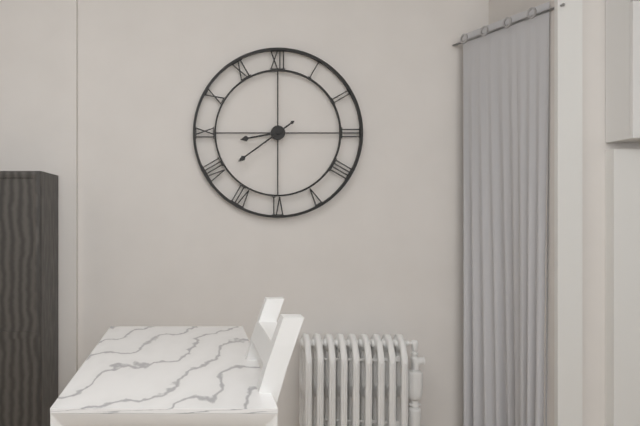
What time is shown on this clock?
8:39
